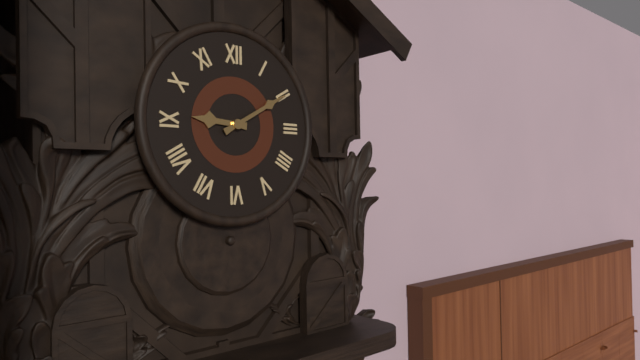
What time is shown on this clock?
9:10
